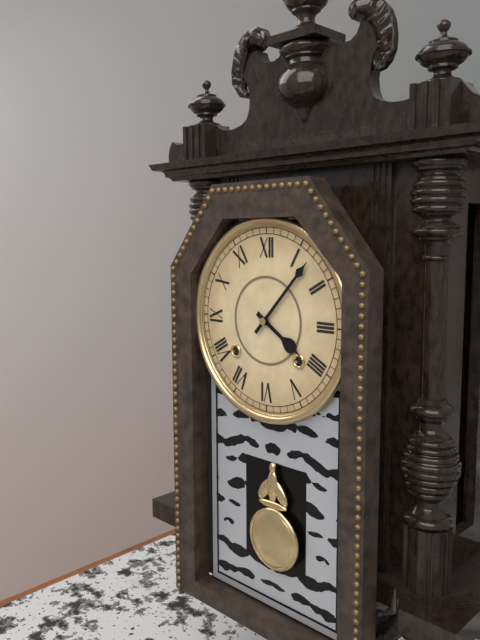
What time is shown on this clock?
4:07
